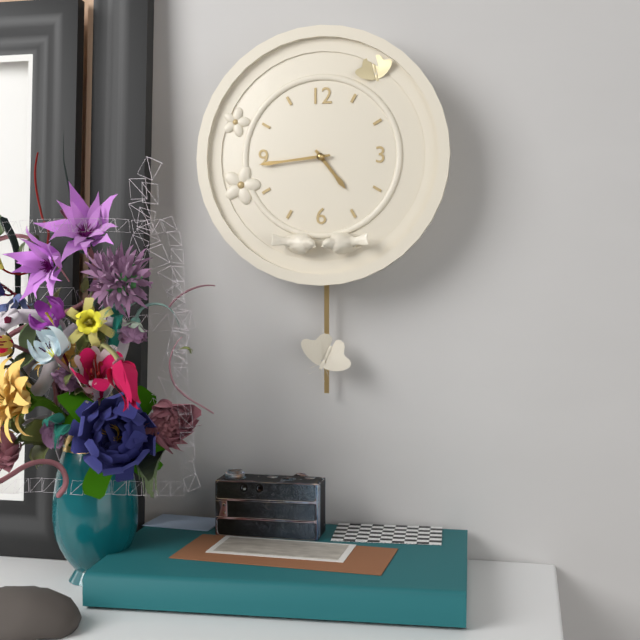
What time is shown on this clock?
4:44
